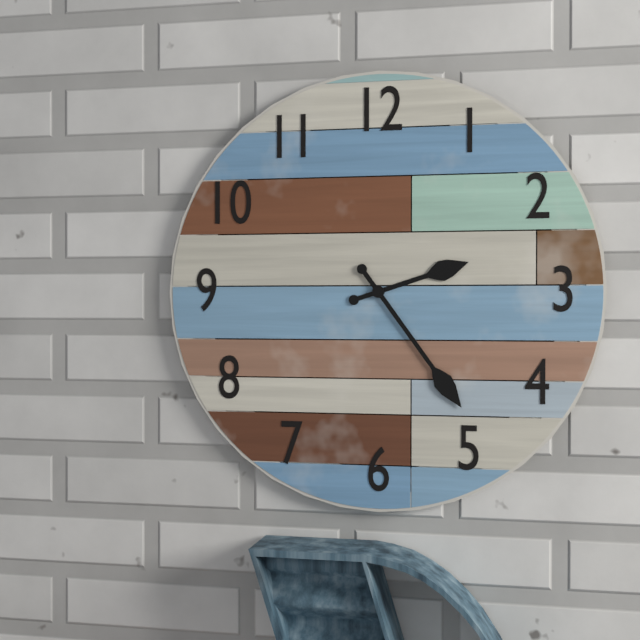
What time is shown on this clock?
2:24
